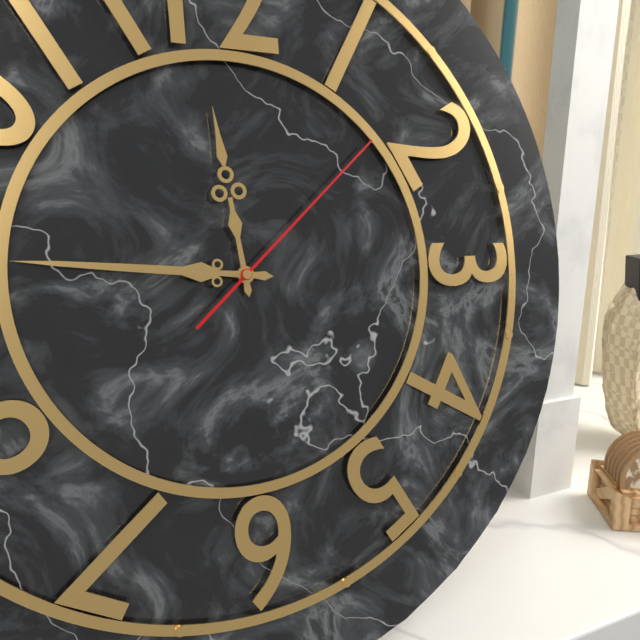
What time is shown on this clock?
11:46:08
